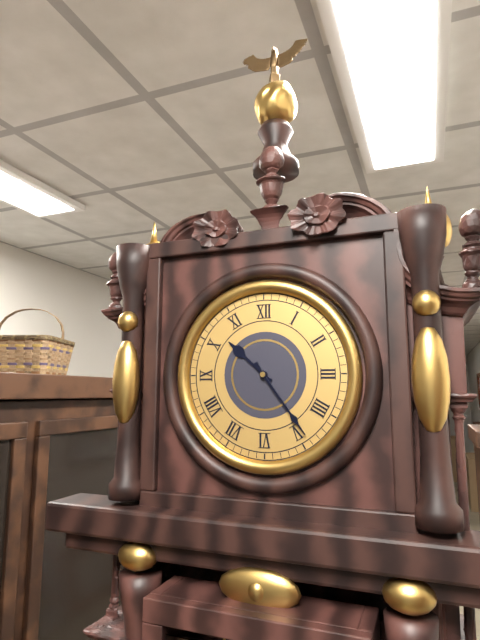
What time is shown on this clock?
10:24
